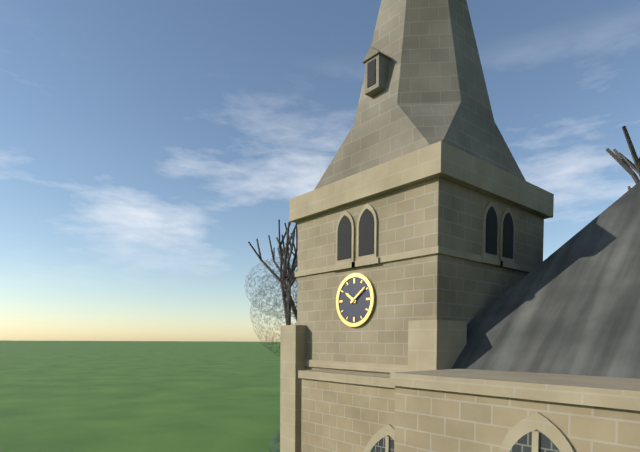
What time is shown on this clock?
10:09
